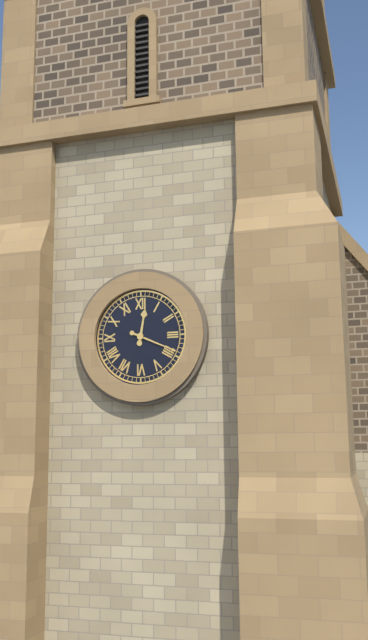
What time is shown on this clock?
12:19
